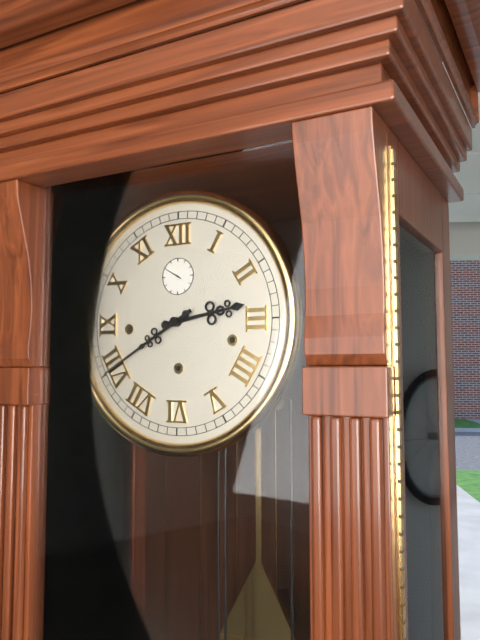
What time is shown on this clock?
2:40
